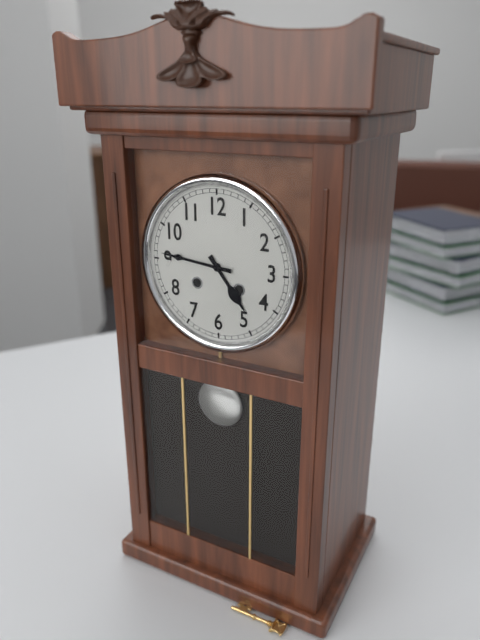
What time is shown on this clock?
4:46
